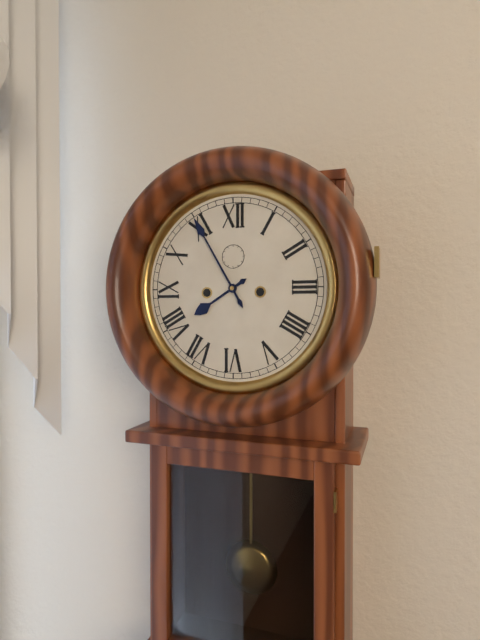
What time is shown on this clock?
7:55
